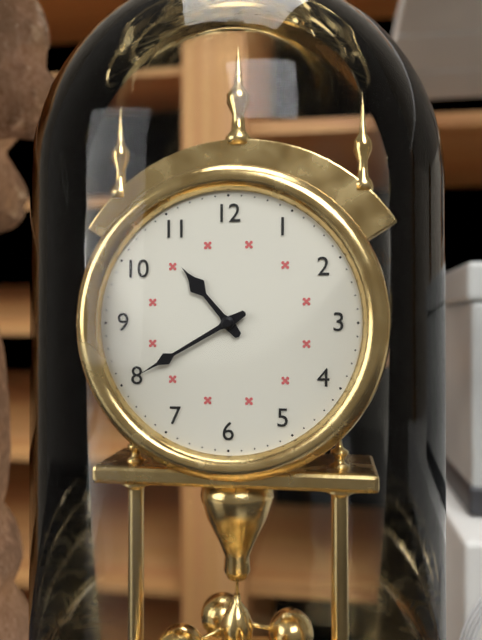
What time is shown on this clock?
10:40
